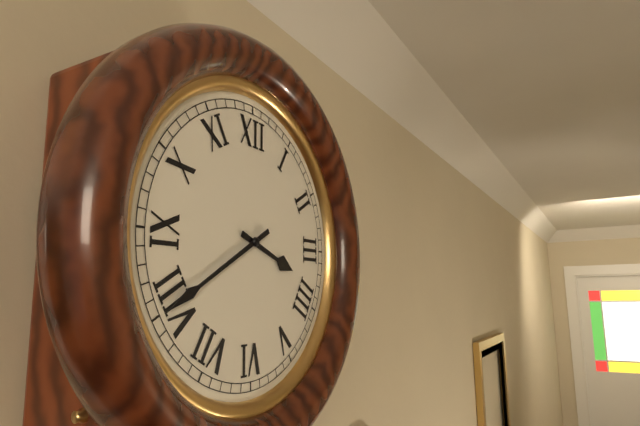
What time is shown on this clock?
3:40
